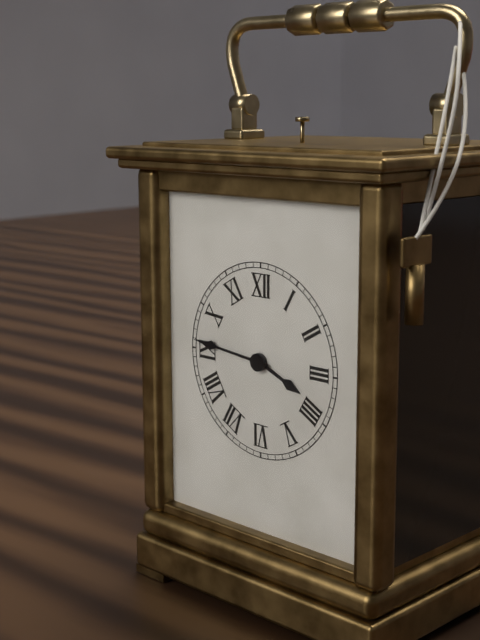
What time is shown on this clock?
3:46
